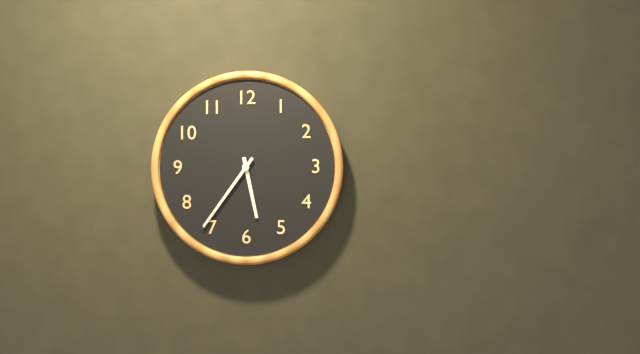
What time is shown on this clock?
5:36
